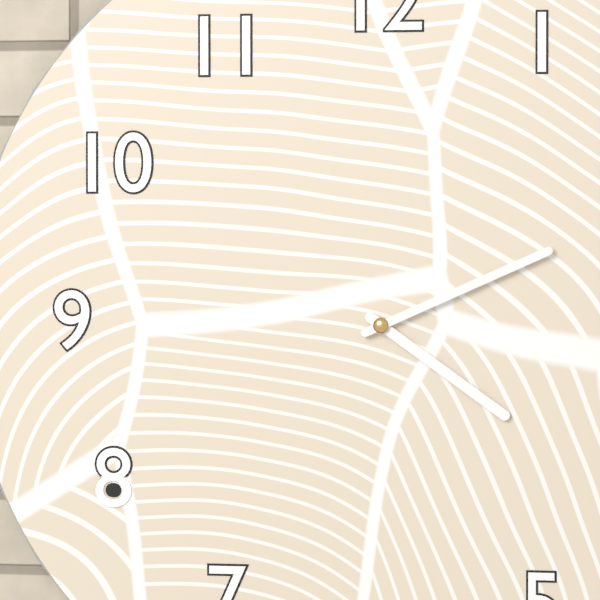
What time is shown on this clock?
4:11
